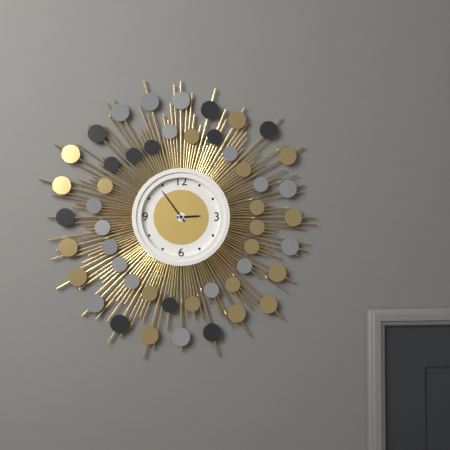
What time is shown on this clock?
2:54
